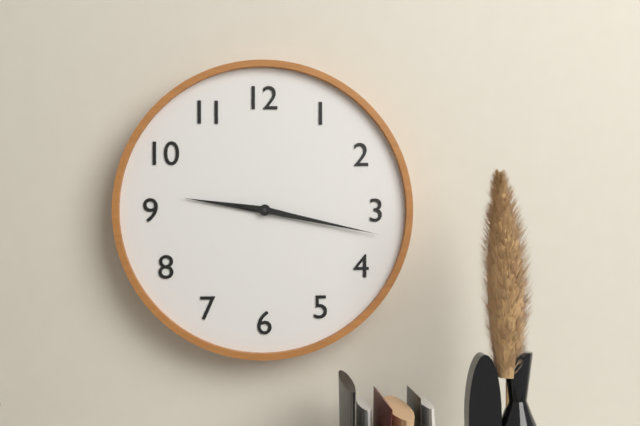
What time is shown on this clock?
9:17
